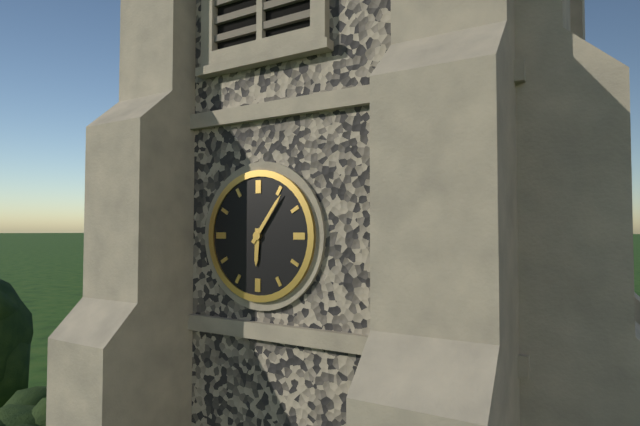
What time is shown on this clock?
6:06
